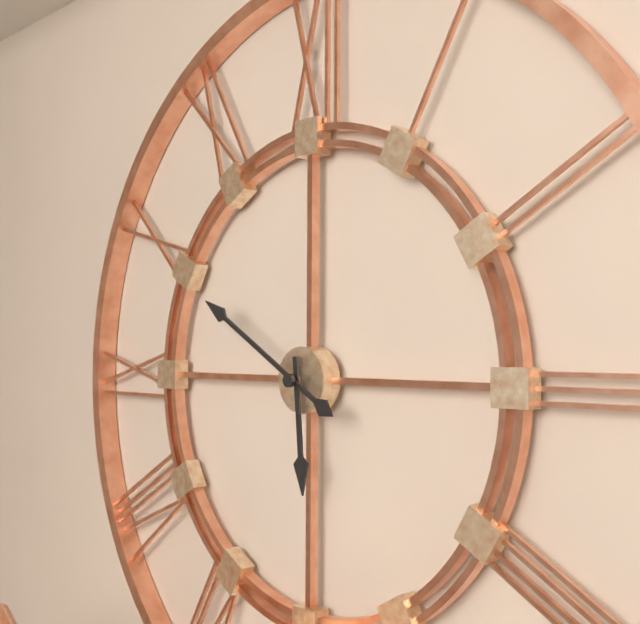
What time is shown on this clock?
5:50
